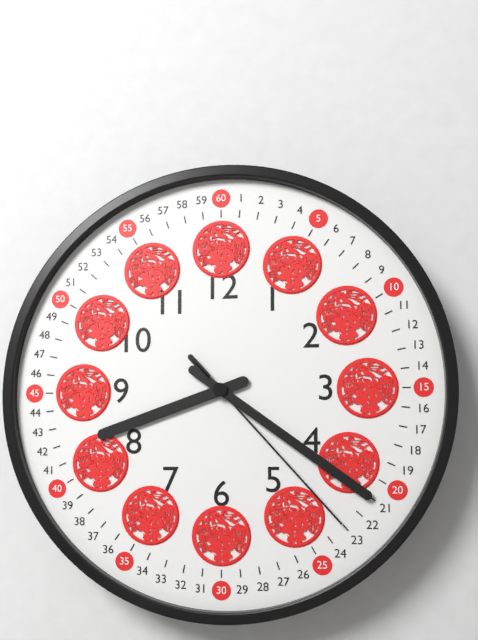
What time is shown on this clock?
8:21:23
